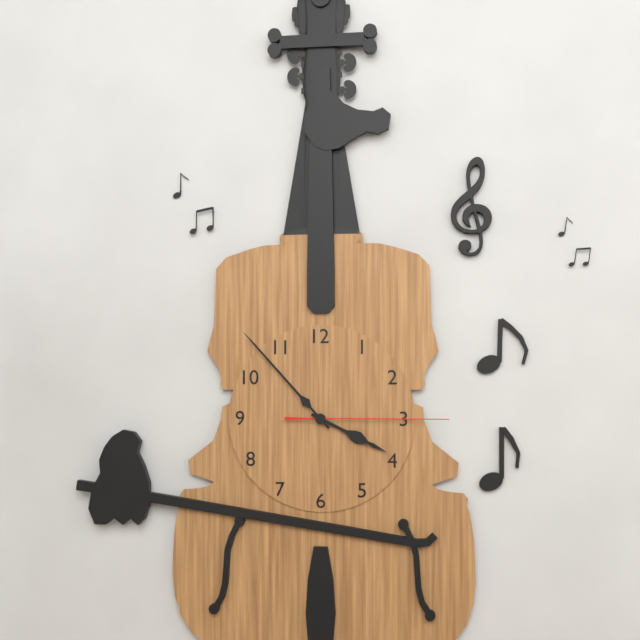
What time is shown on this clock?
3:53:15
